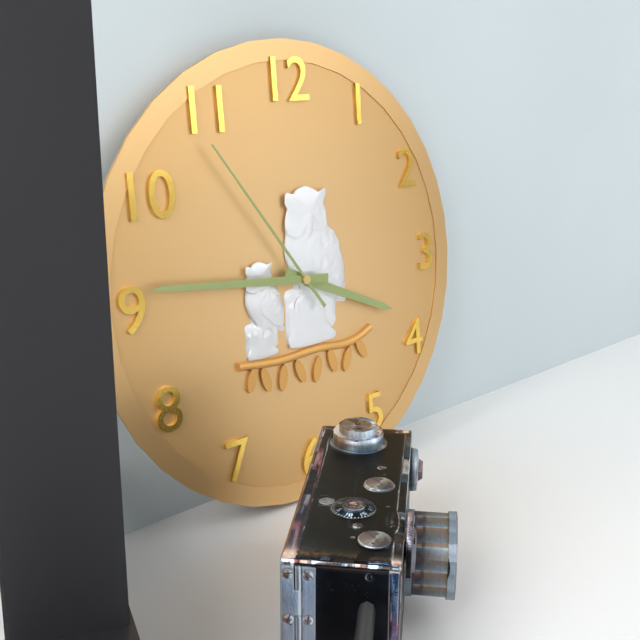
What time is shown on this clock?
3:46:54
